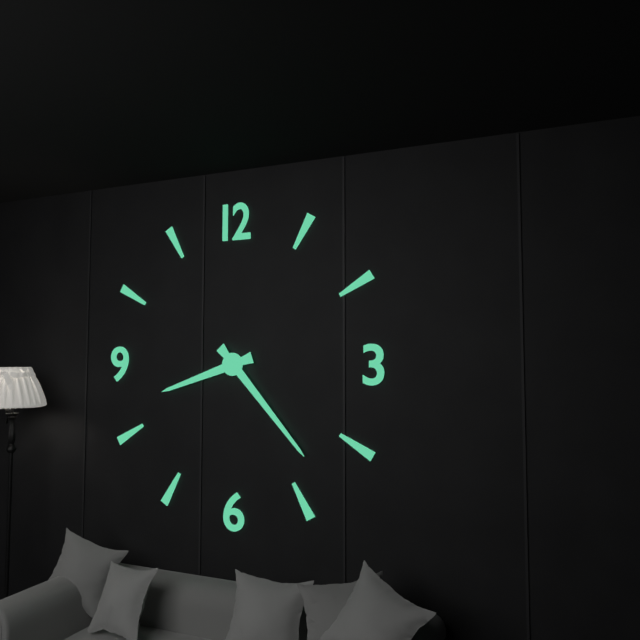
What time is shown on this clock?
8:23
